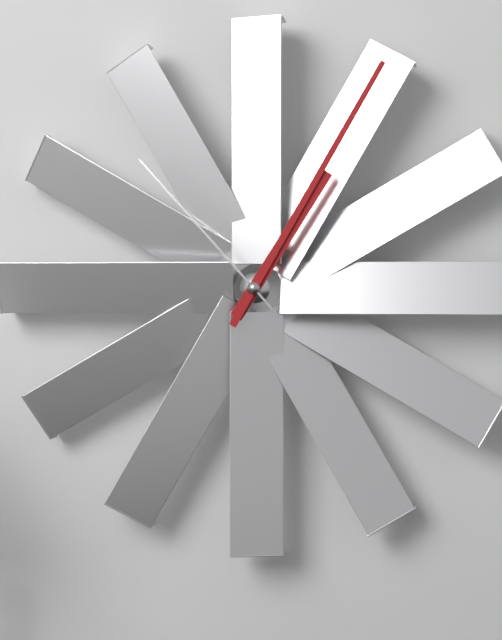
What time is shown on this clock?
1:05:53
